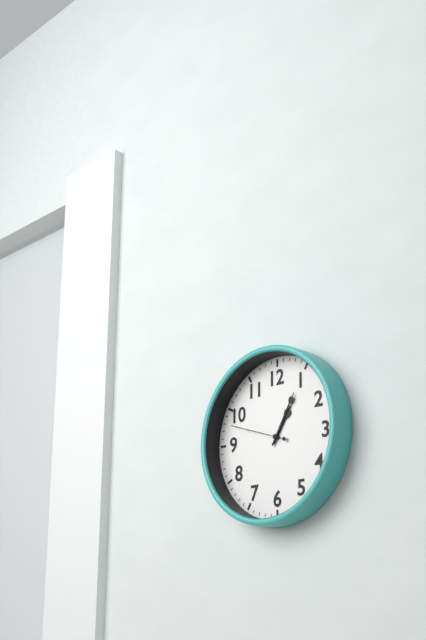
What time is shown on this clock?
1:05:48
